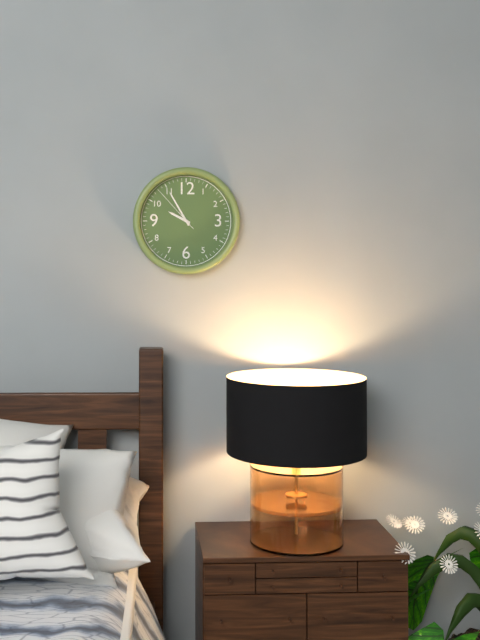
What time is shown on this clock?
9:55:53
